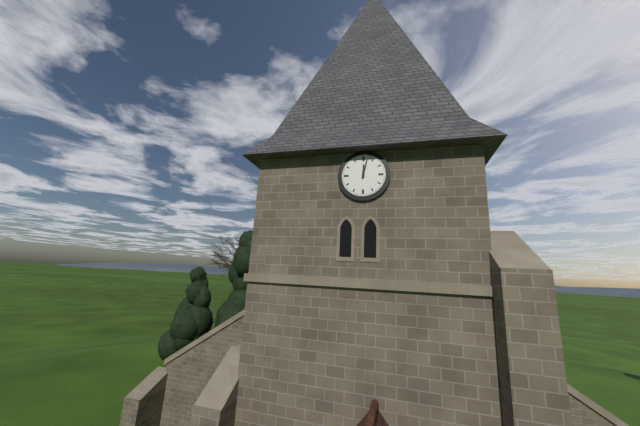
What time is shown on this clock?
12:02
